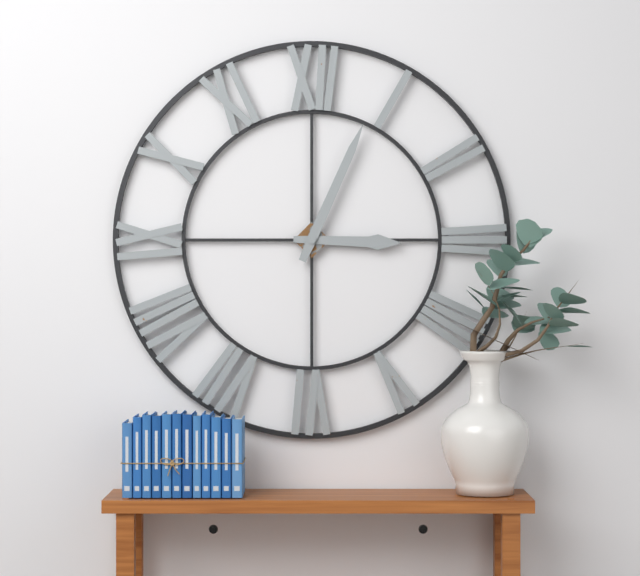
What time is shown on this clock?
3:04
